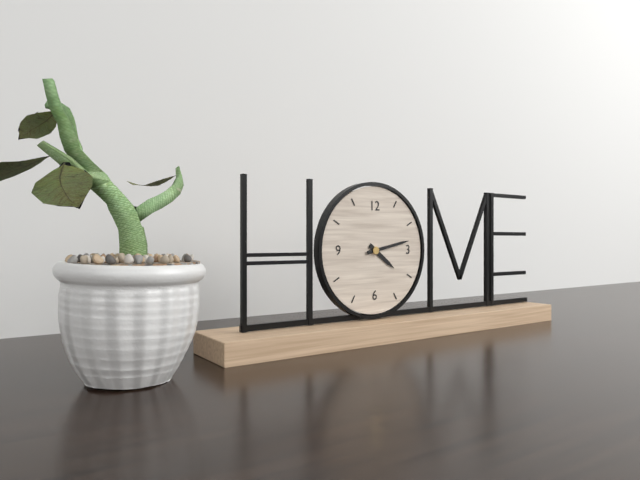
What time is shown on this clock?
4:13
